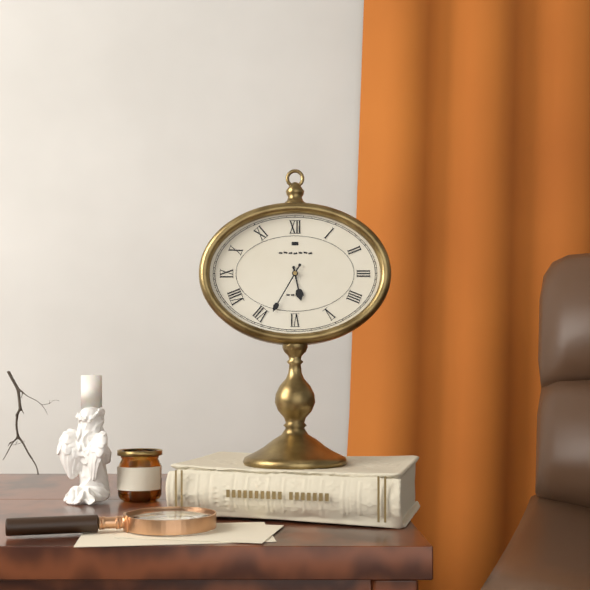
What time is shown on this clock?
5:35
